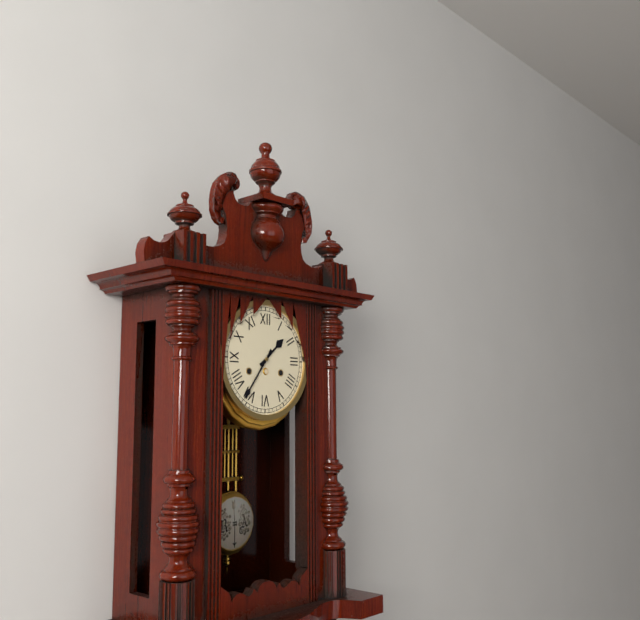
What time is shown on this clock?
1:36
